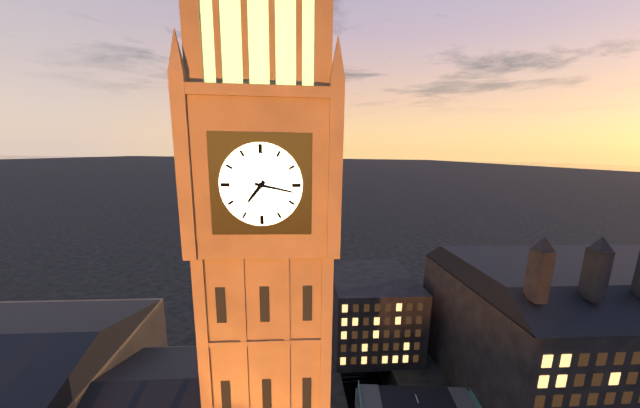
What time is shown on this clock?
7:17
